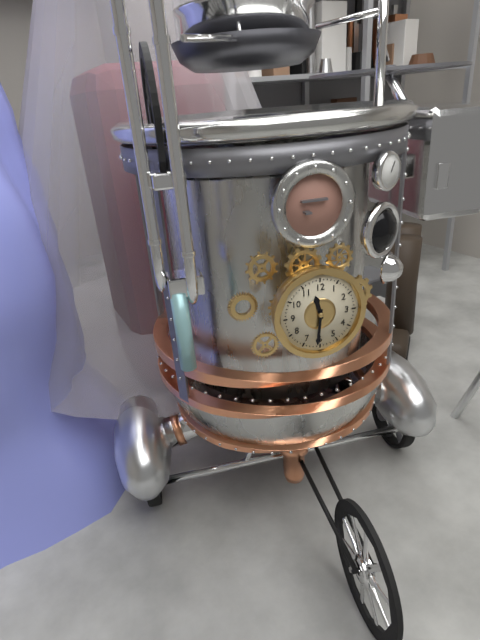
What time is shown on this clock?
11:31
